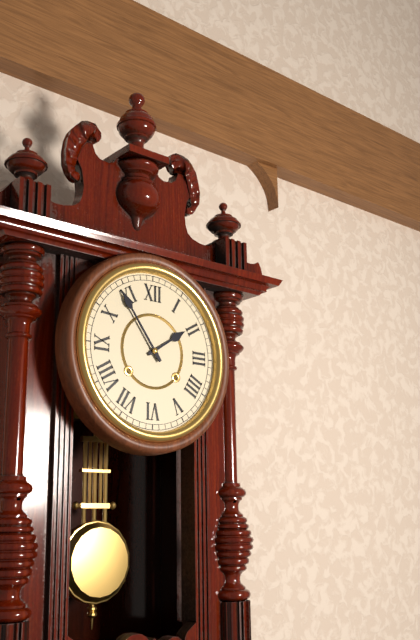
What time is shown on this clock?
1:54
